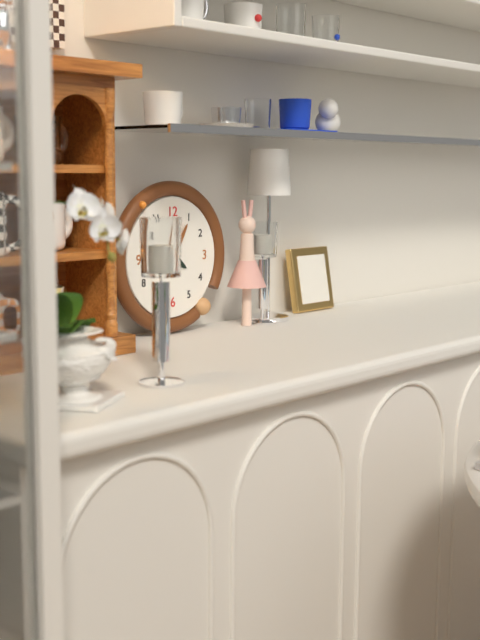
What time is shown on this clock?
4:05
